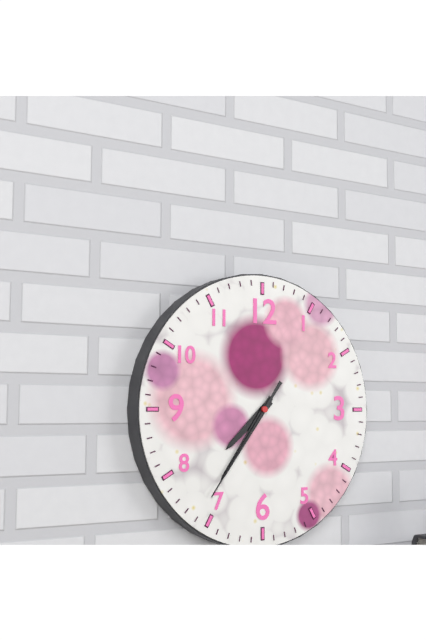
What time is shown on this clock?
7:36:36
